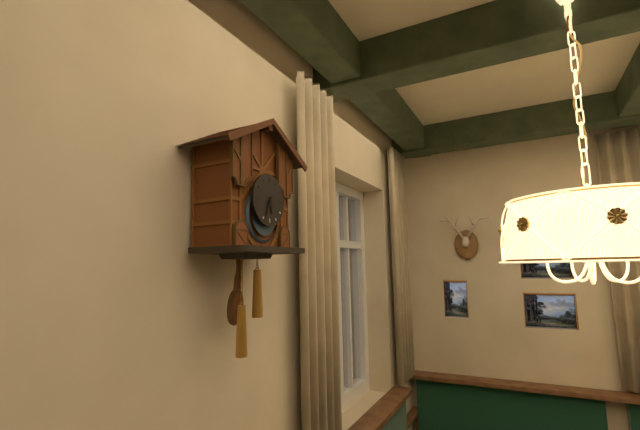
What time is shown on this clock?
5:34
